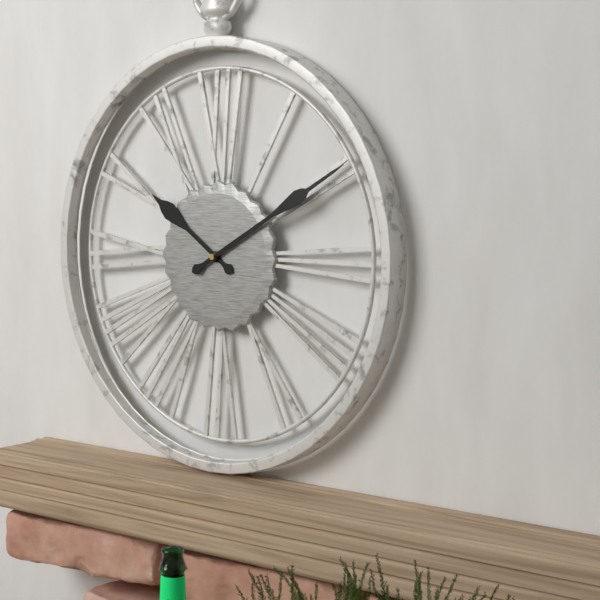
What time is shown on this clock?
10:10
